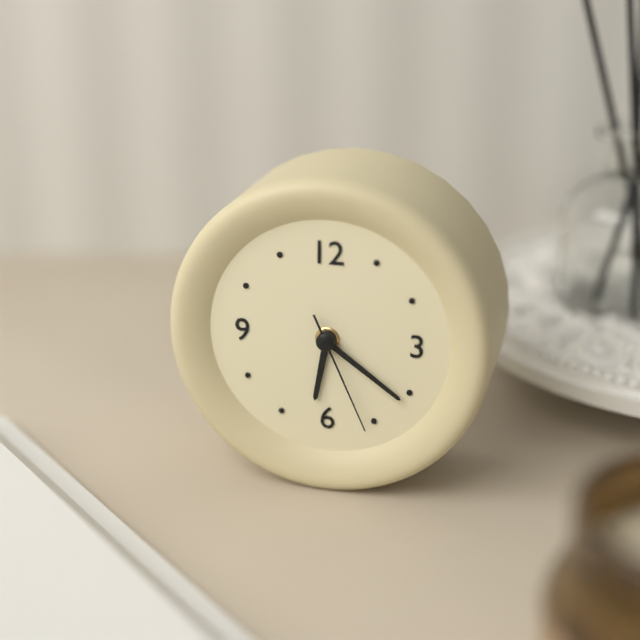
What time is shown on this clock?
6:21:26
